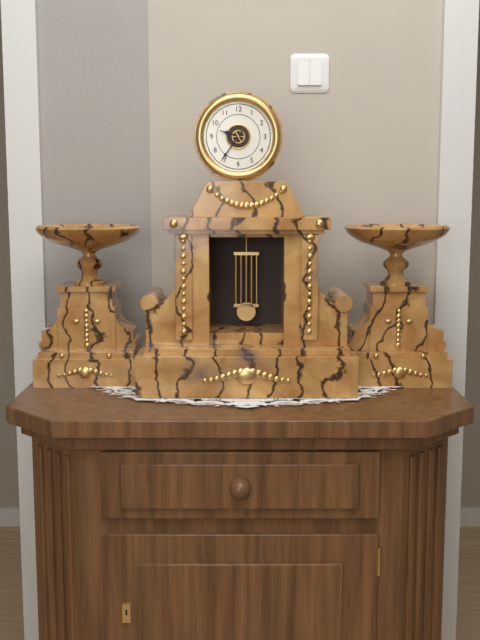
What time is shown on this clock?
9:36
